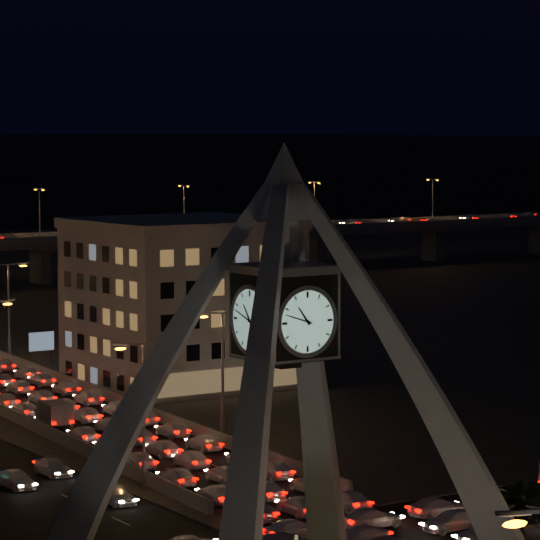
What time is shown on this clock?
10:48
